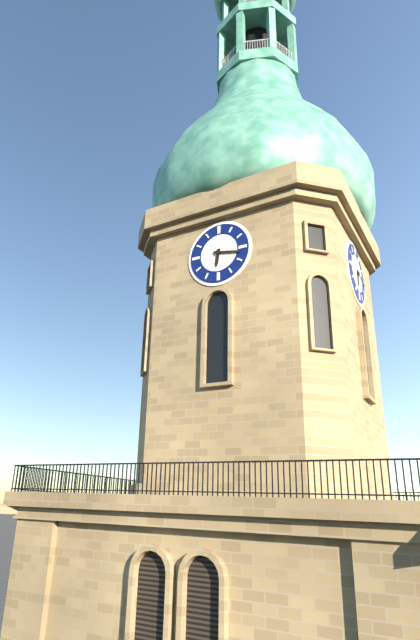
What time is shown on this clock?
6:17
